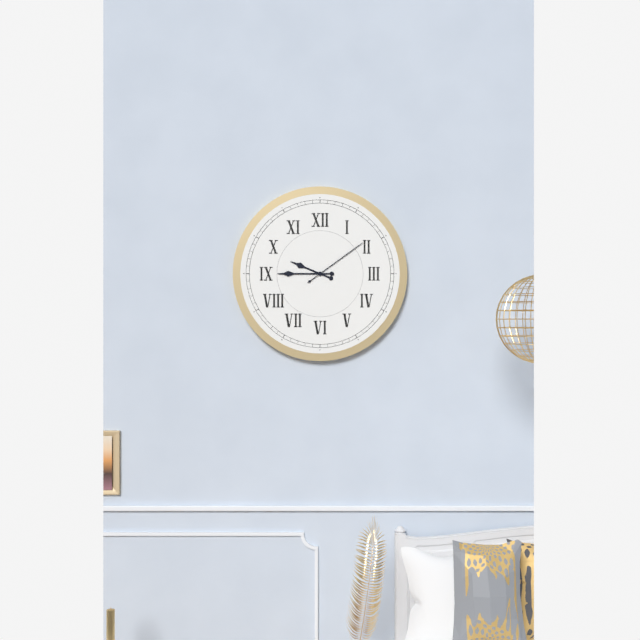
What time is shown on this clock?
9:45:09
